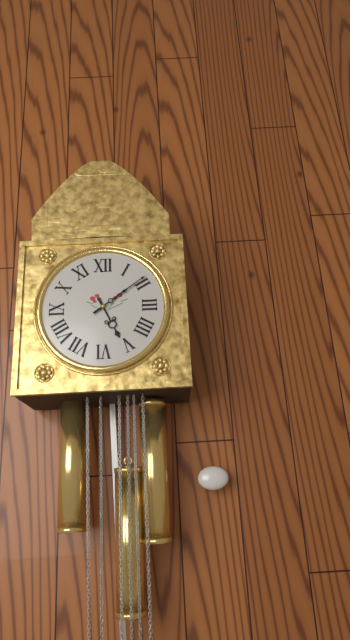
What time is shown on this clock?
5:09
